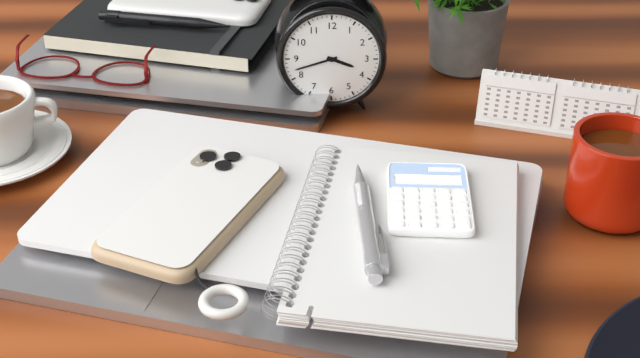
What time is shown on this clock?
3:42
